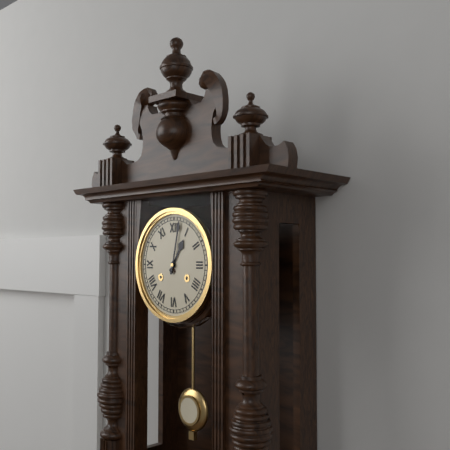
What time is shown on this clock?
1:02
